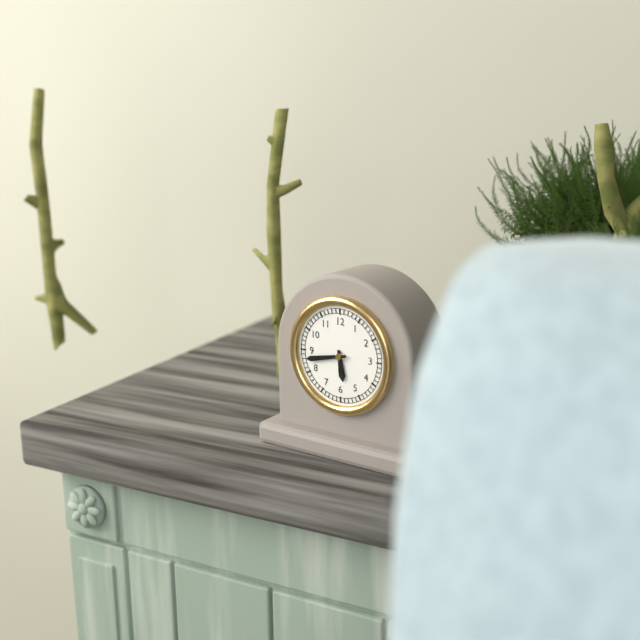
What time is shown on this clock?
5:43
